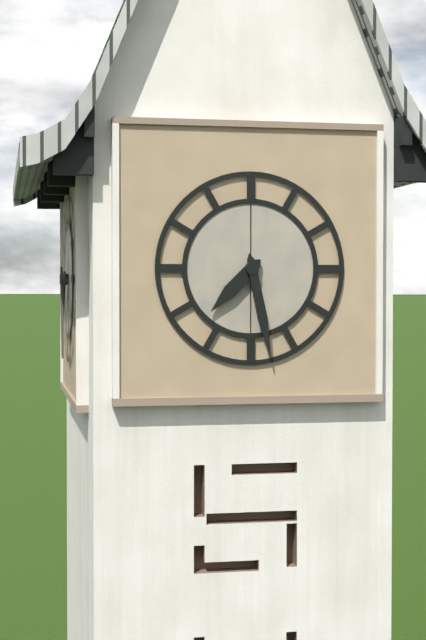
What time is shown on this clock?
7:28
